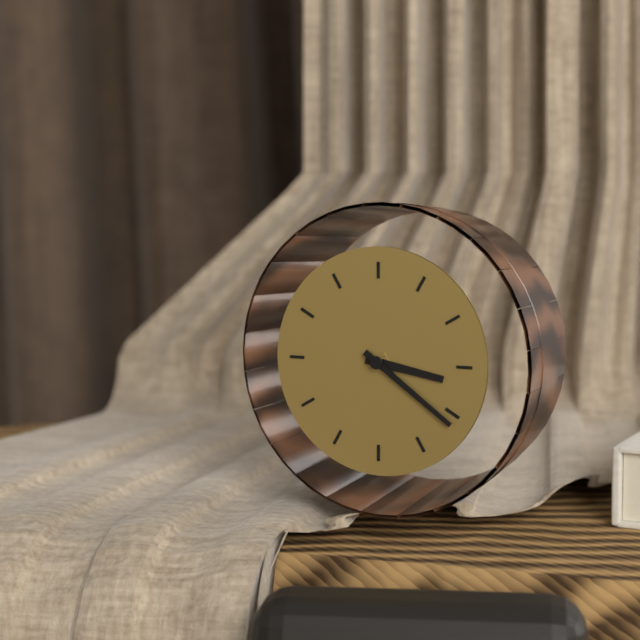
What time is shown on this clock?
3:21
